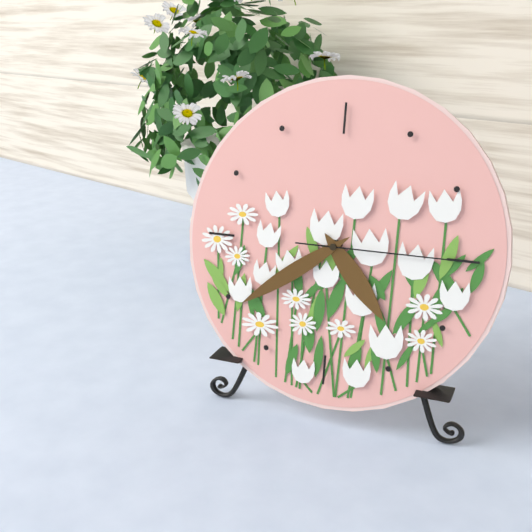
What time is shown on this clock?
4:39:15
